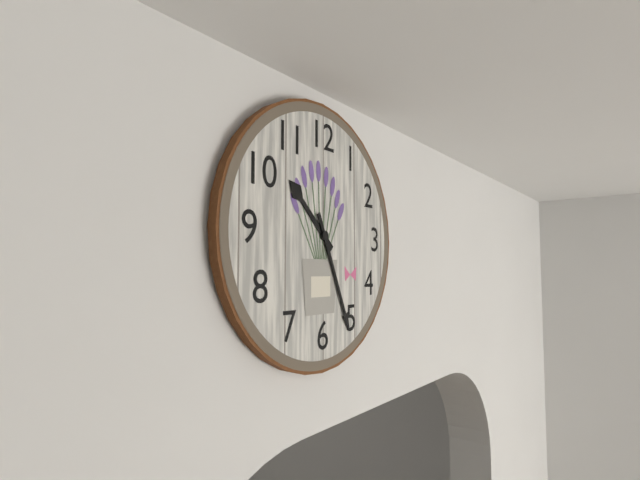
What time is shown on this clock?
10:26
